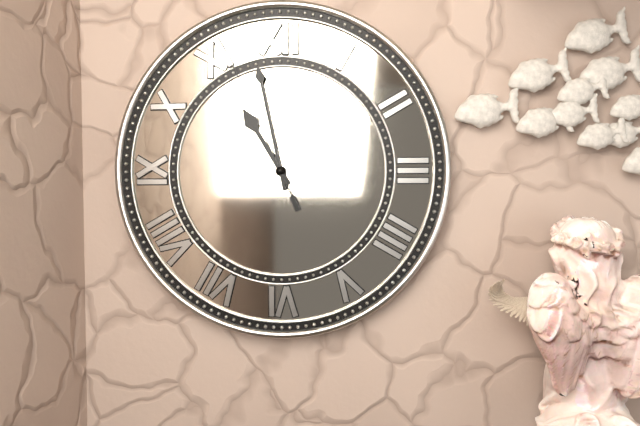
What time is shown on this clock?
10:58:56
